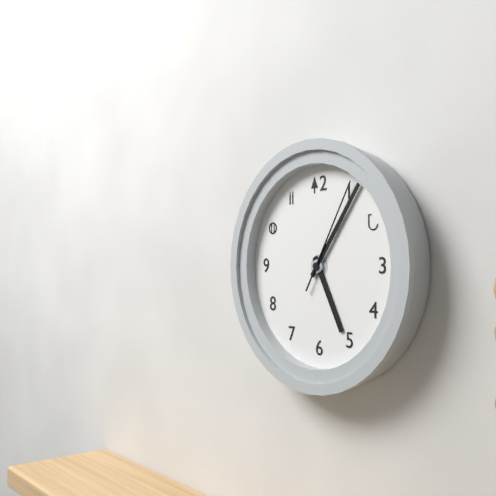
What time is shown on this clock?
5:06:05
